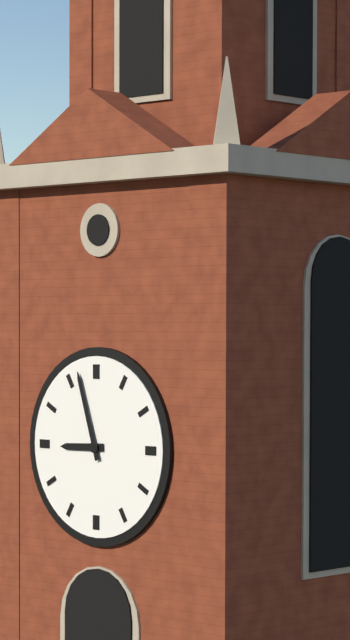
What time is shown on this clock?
8:57
